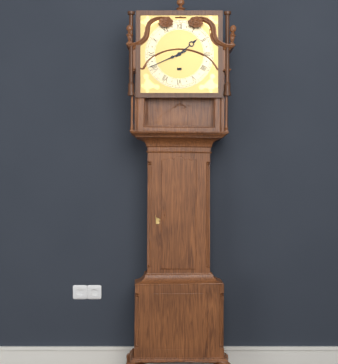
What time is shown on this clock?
1:41
